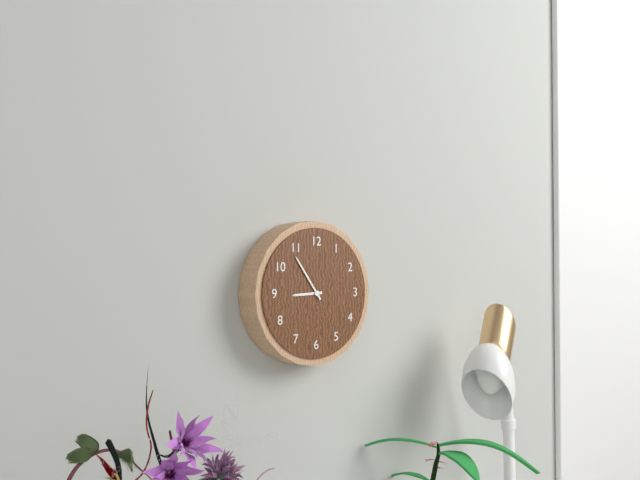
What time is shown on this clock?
8:54
